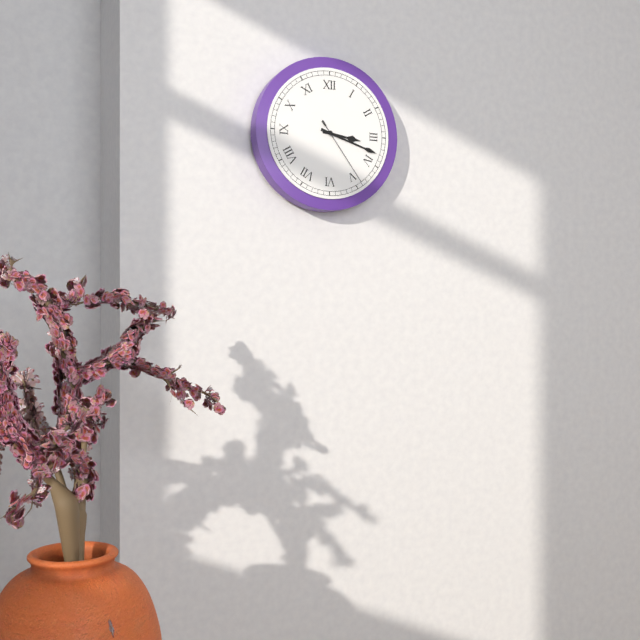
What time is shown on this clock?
3:18:24
